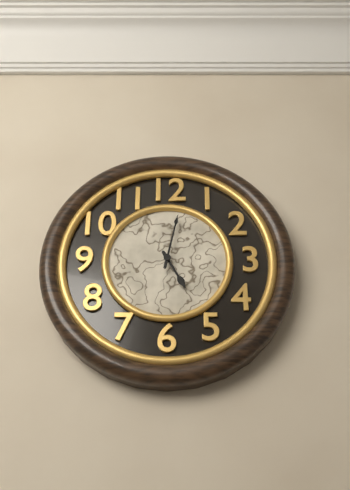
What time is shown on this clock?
5:02
